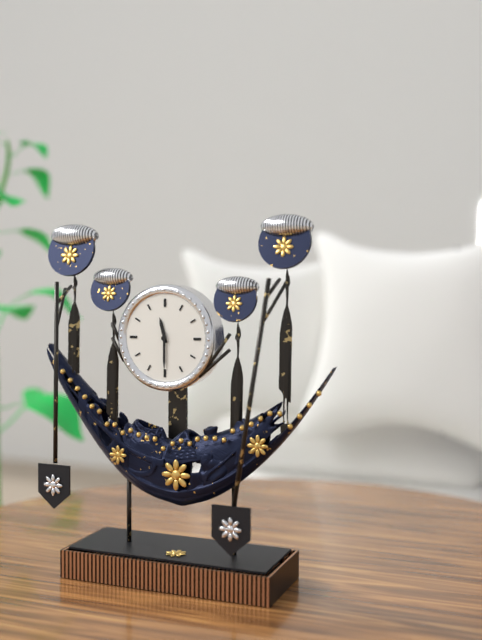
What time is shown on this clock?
11:30
